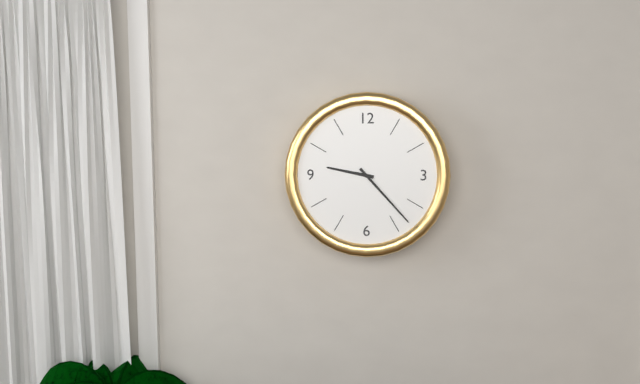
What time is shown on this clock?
9:23
